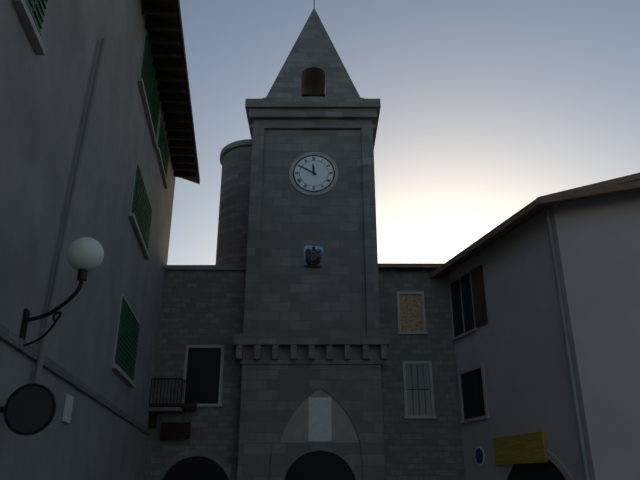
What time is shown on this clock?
11:50
